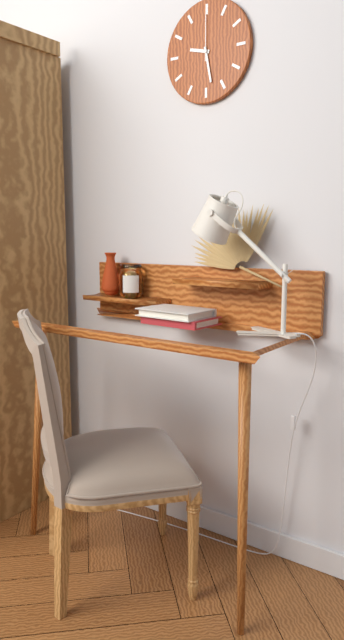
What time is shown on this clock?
9:28
